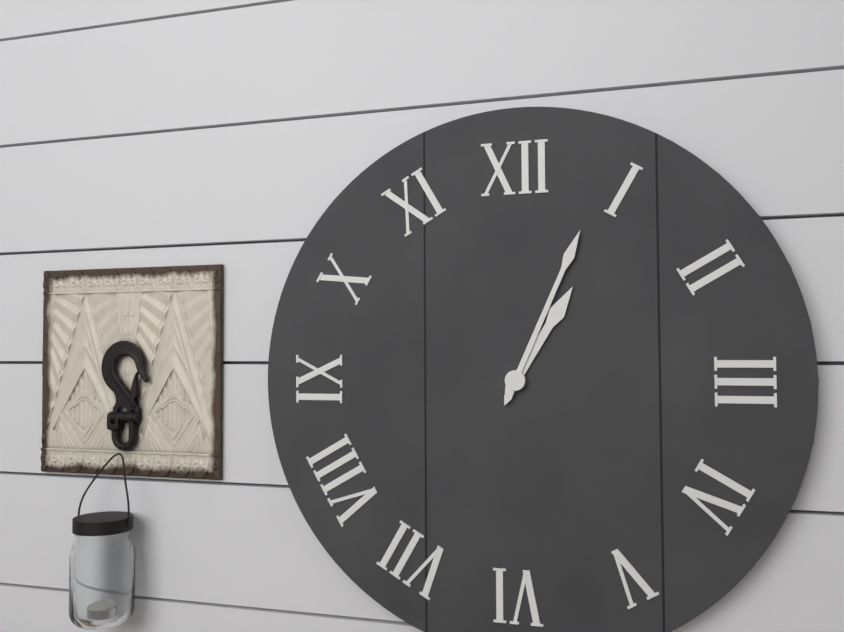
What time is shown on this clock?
1:04
